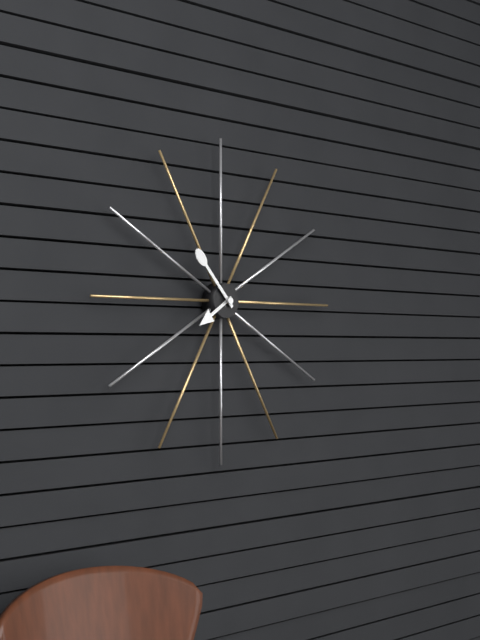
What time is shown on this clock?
7:53
